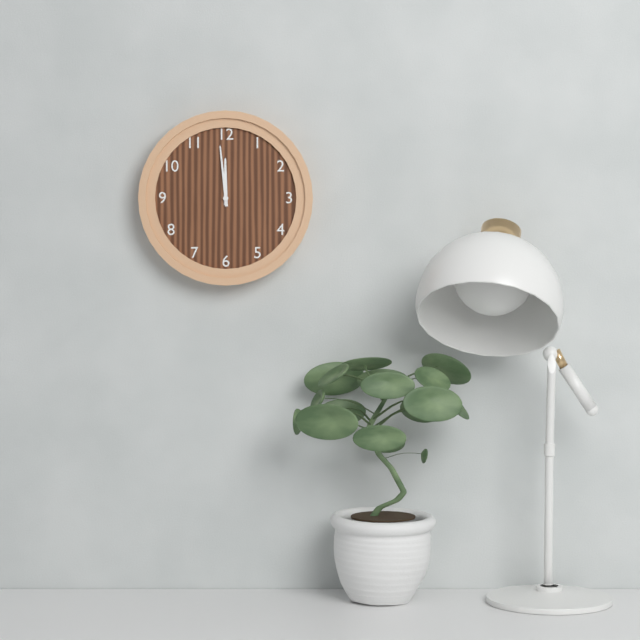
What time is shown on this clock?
11:59
